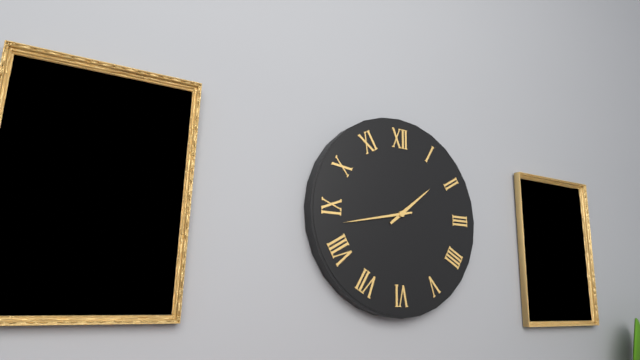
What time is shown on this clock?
1:43
